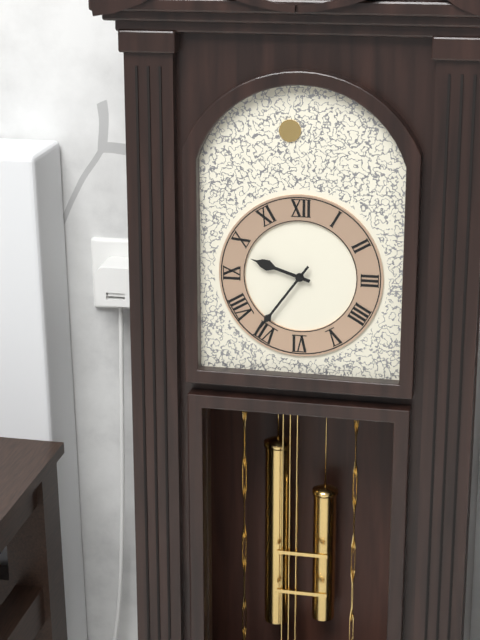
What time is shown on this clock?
9:36
